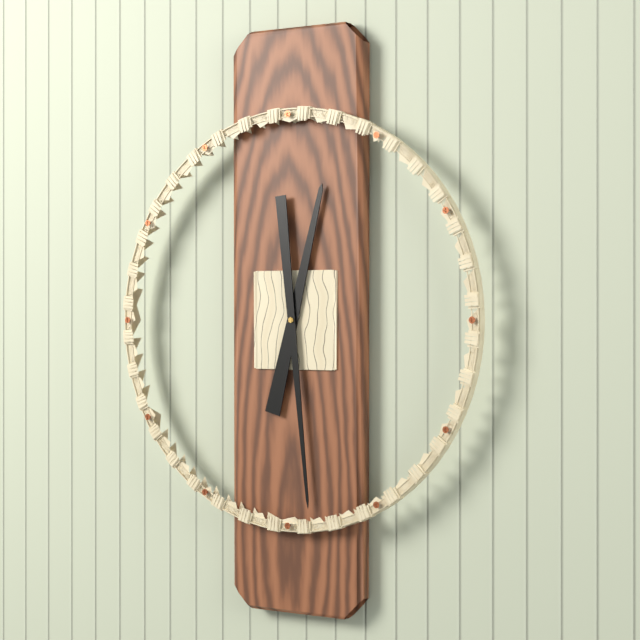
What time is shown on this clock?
12:29
